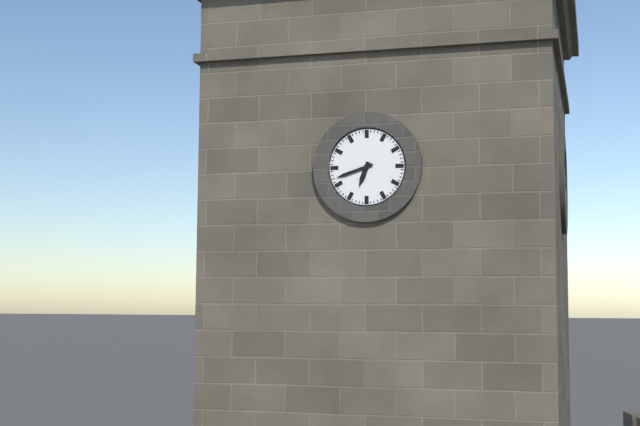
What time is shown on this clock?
6:42
